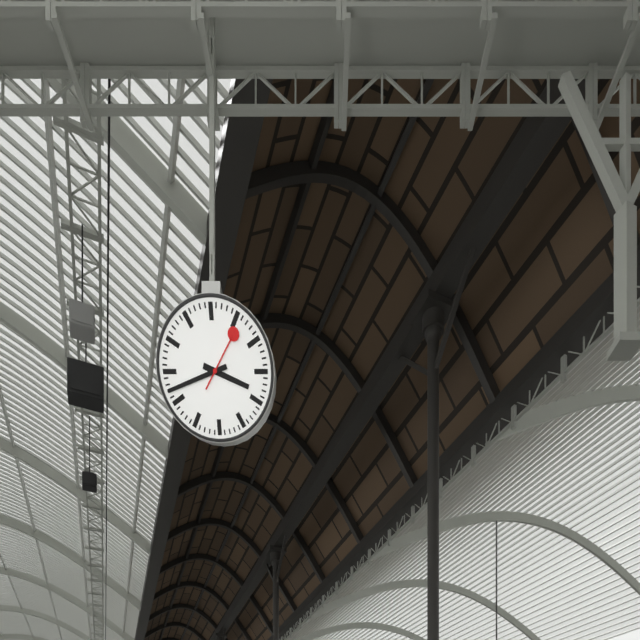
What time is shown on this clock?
3:42:06
